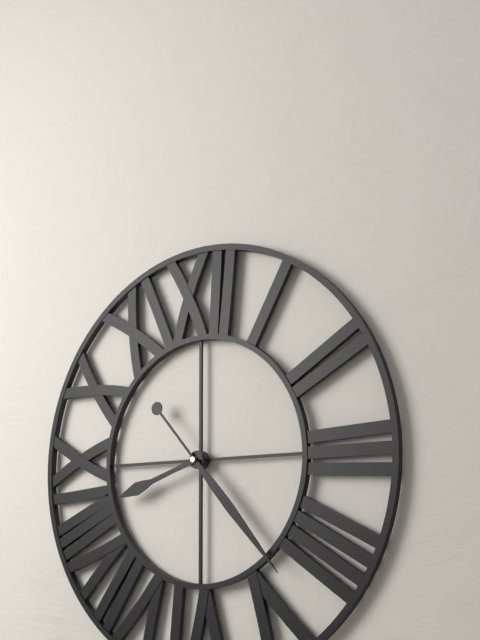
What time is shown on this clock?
8:23
